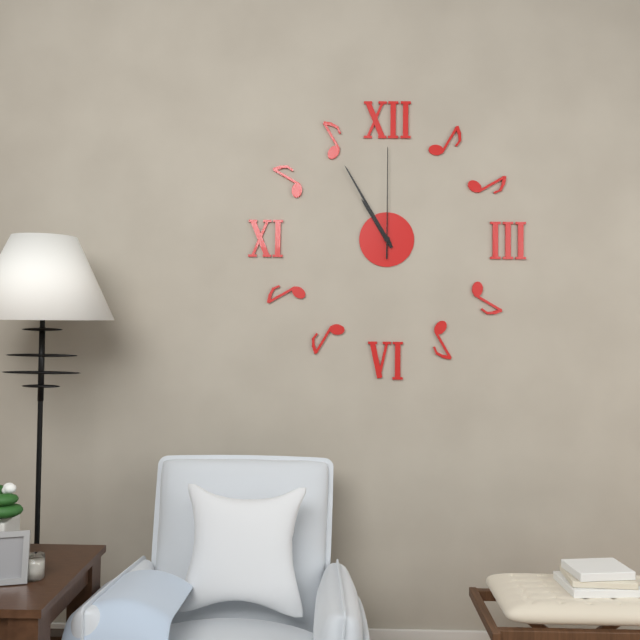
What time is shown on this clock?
10:55:00
